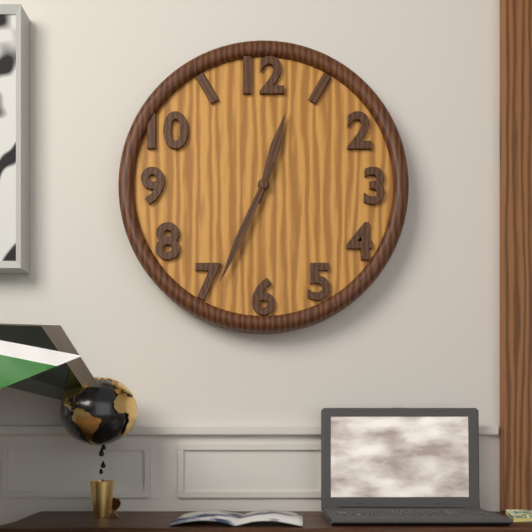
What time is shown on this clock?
12:34
